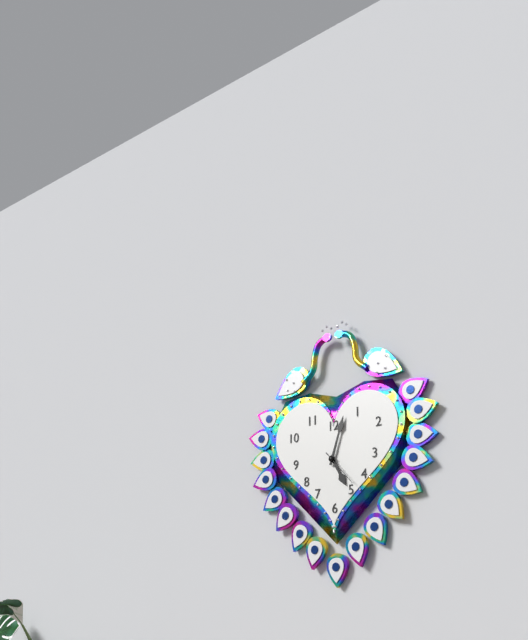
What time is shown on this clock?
5:03
